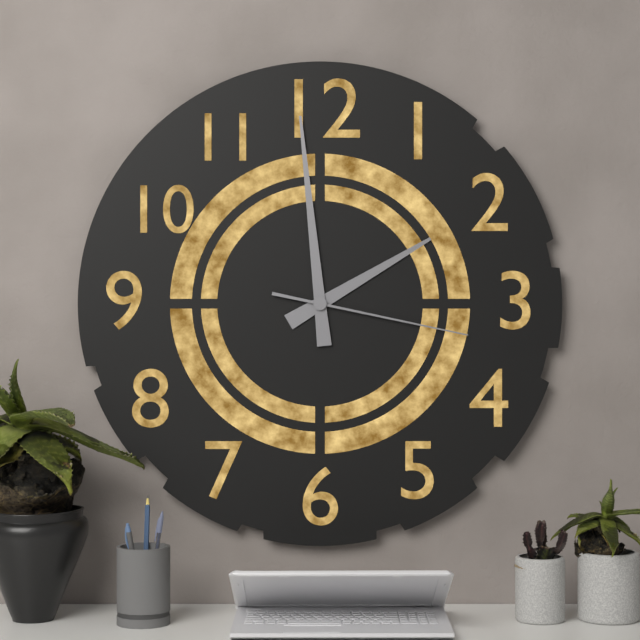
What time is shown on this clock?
1:59:17
